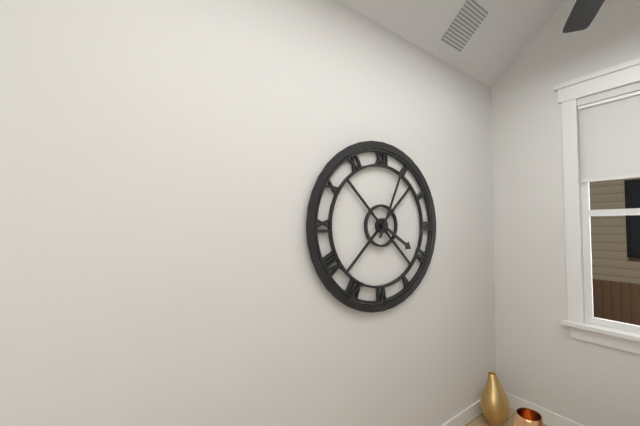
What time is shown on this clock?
4:04
